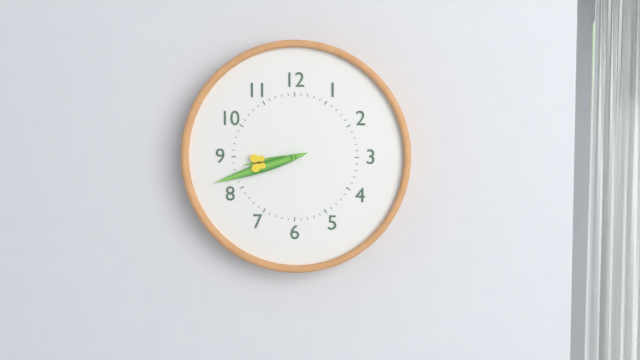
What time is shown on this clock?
8:42
